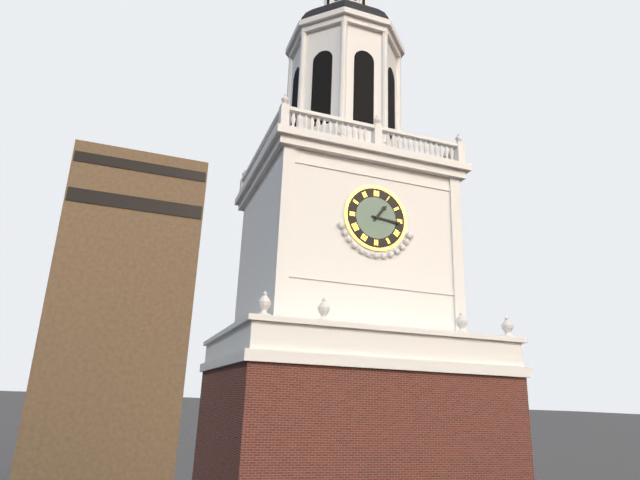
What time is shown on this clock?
1:16
